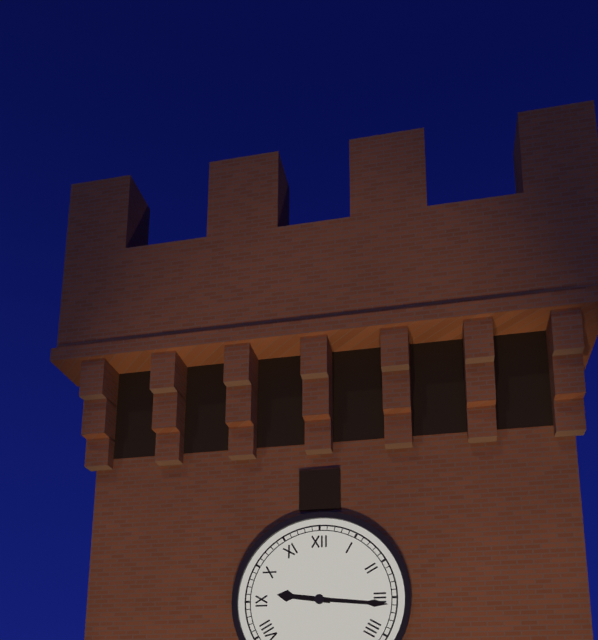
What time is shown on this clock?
9:16
